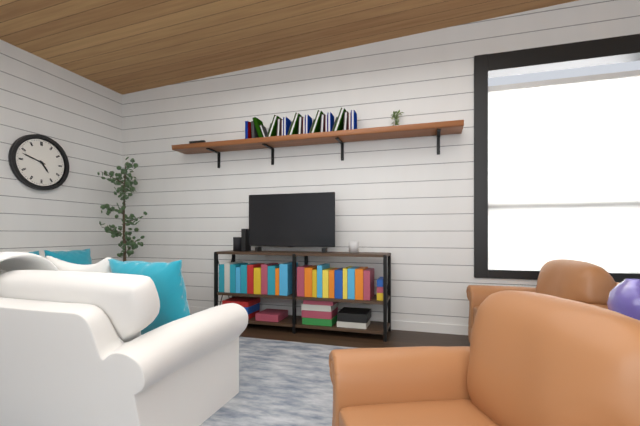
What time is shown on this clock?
4:48
